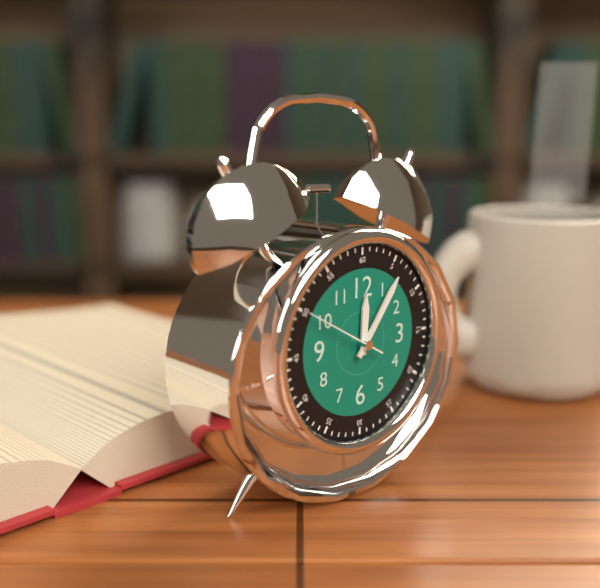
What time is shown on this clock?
12:06:50
